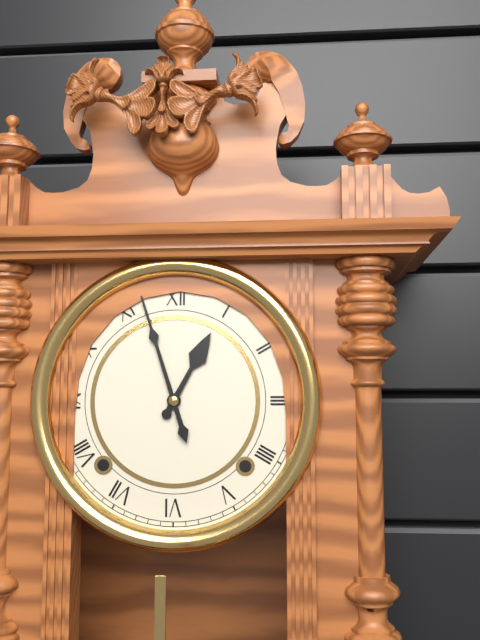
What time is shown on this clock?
12:57
